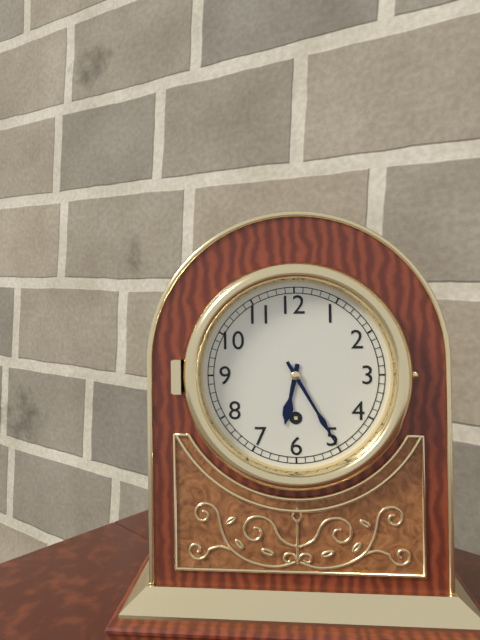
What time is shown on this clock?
6:25
